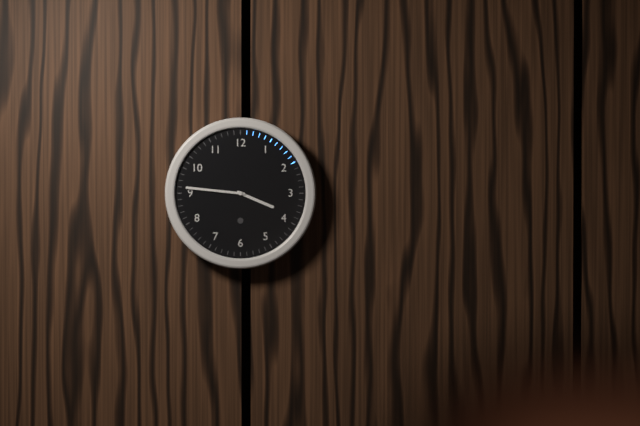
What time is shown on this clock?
3:46
